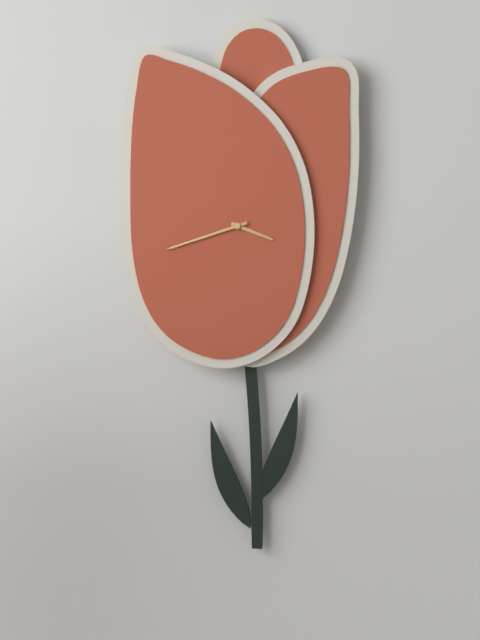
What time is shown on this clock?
3:42
